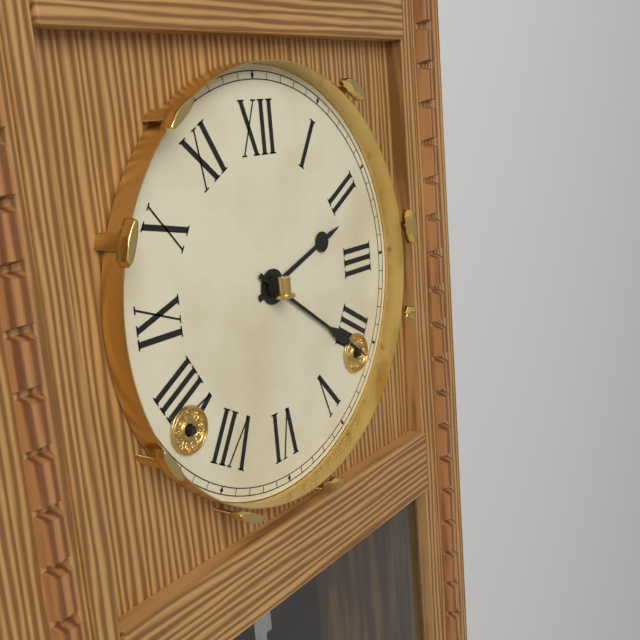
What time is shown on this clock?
2:21
